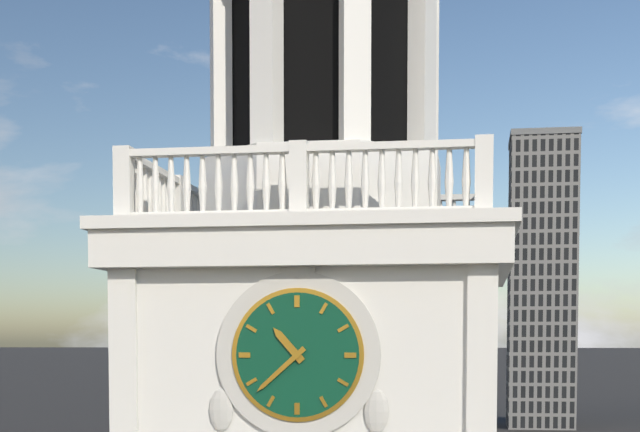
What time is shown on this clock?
10:38
